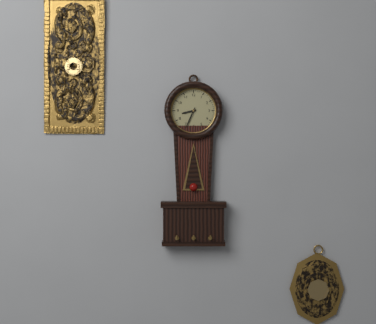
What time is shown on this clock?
8:34
